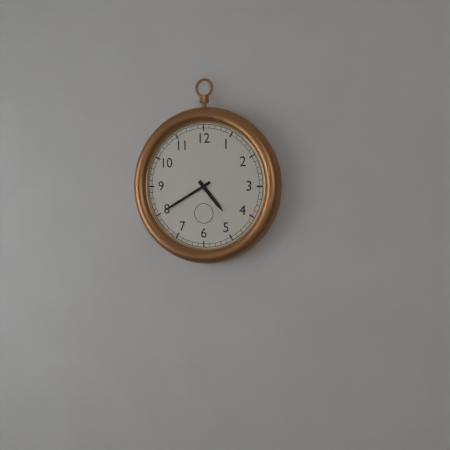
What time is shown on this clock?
4:40
